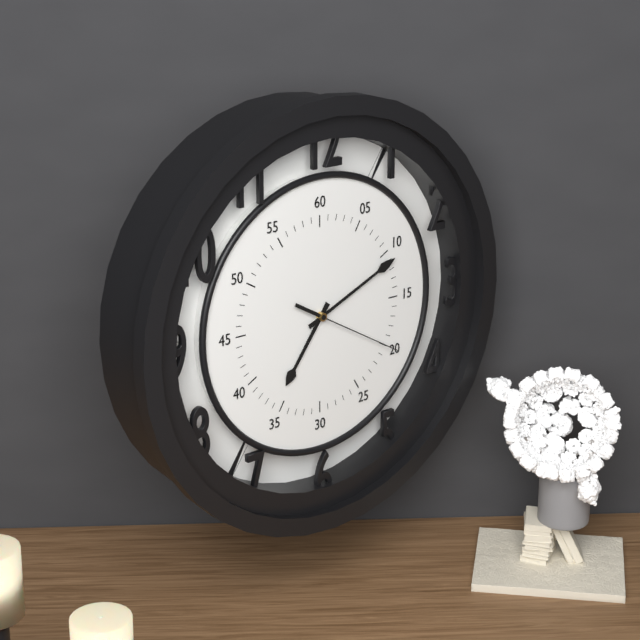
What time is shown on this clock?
7:11:20
